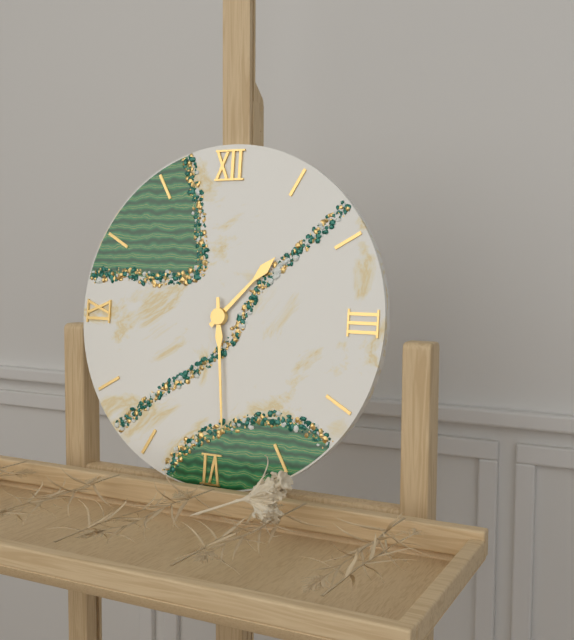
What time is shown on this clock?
1:29
